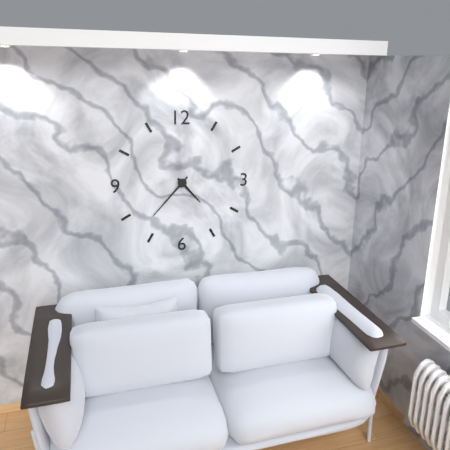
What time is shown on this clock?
4:37
